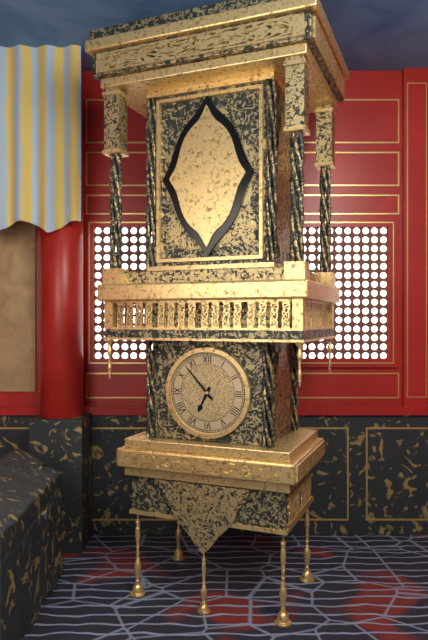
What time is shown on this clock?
6:53
